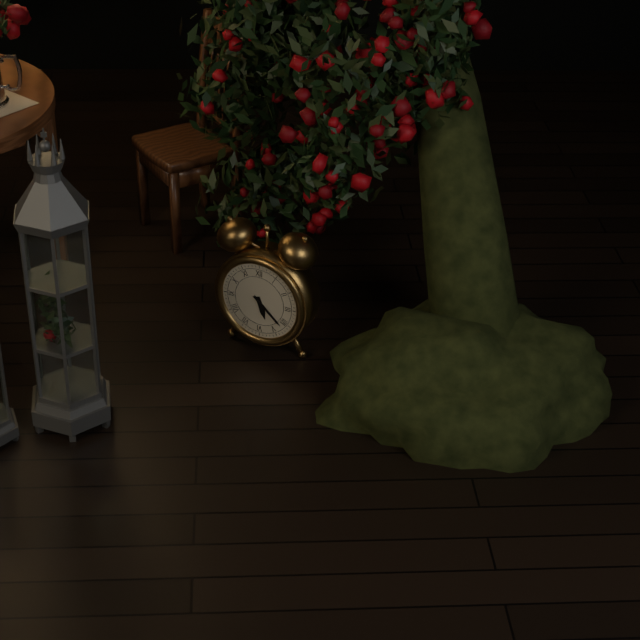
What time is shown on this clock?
5:22
